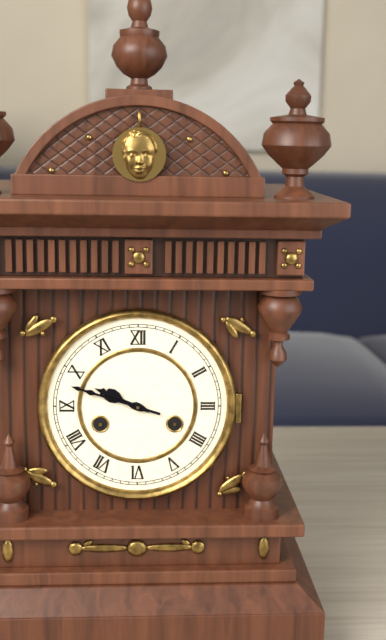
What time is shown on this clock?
9:48
